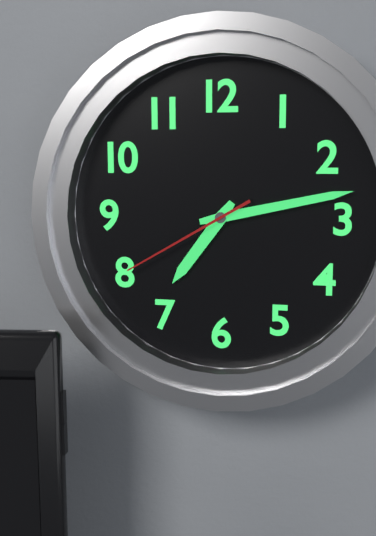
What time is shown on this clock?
7:13:40
